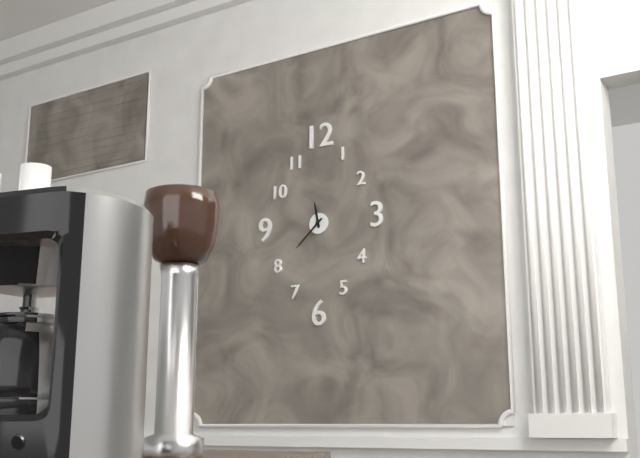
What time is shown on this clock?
11:38
